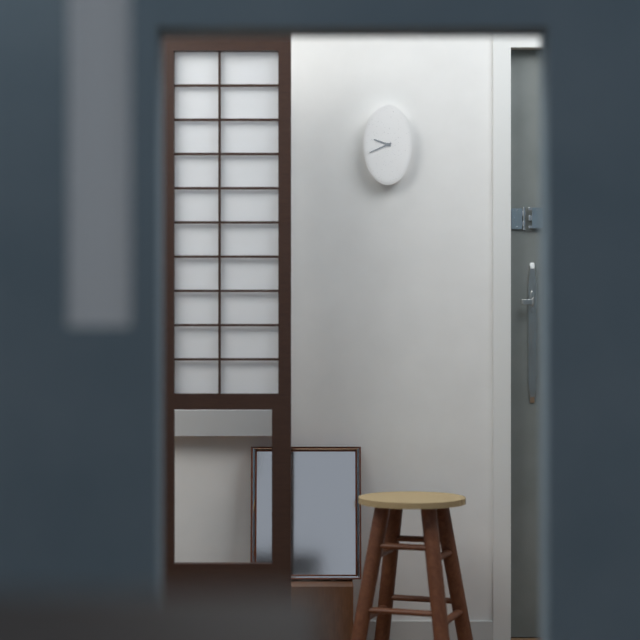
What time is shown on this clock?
9:41
